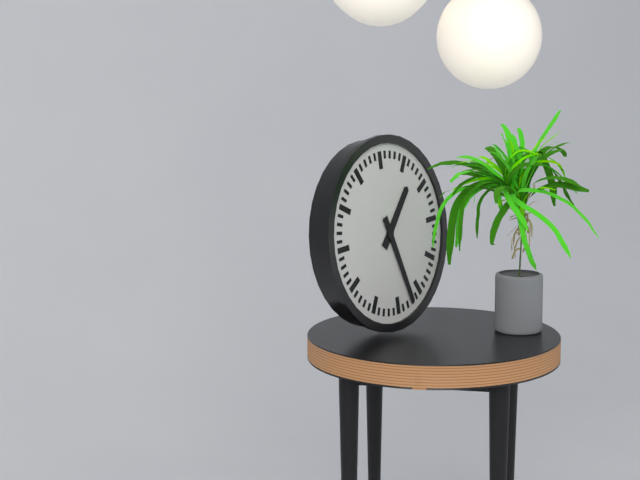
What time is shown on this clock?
1:27
